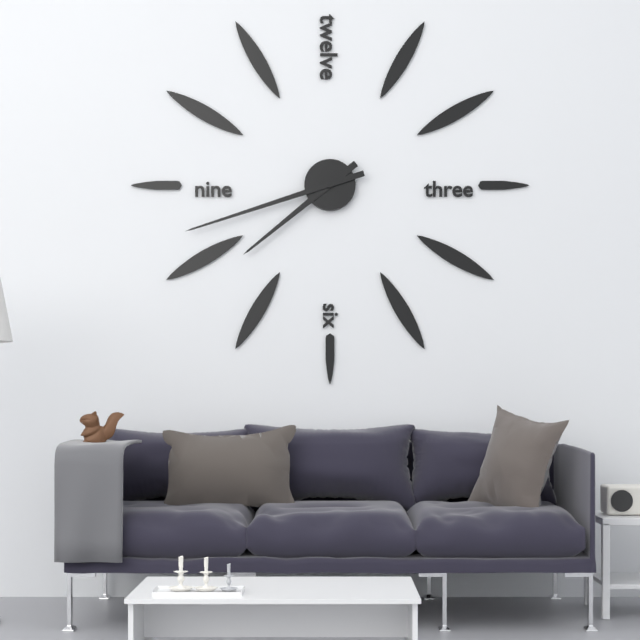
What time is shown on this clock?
7:42
